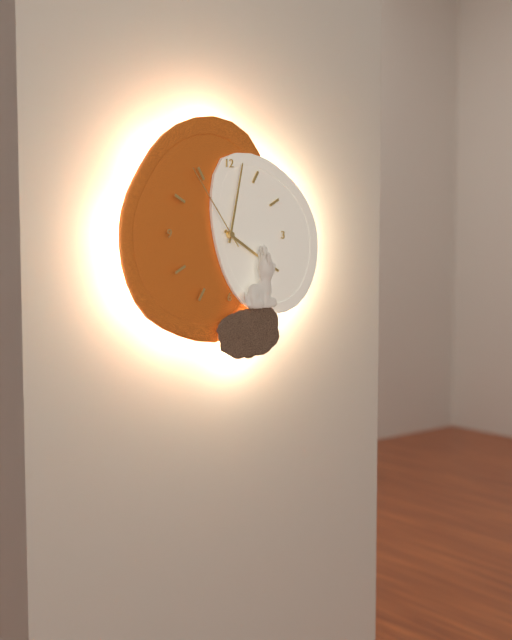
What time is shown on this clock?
4:02:54
